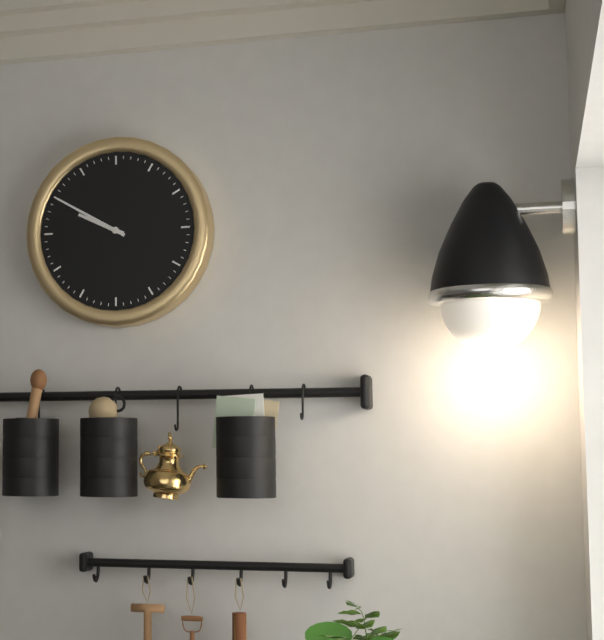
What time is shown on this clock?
9:50
